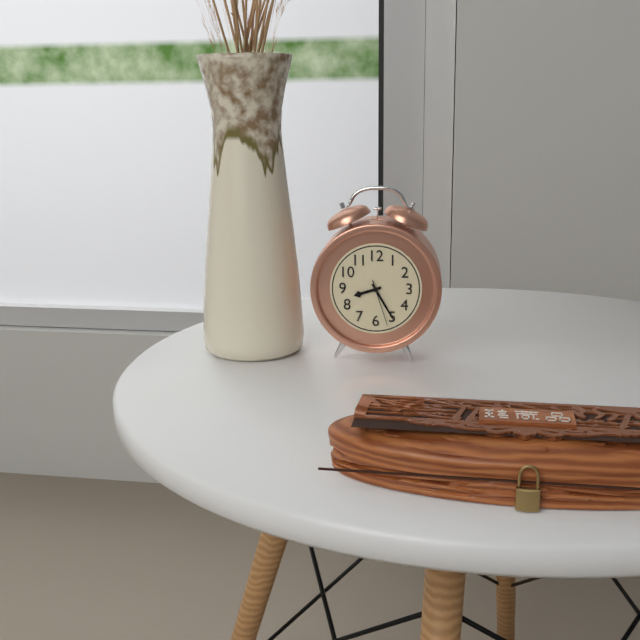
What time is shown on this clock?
8:25
